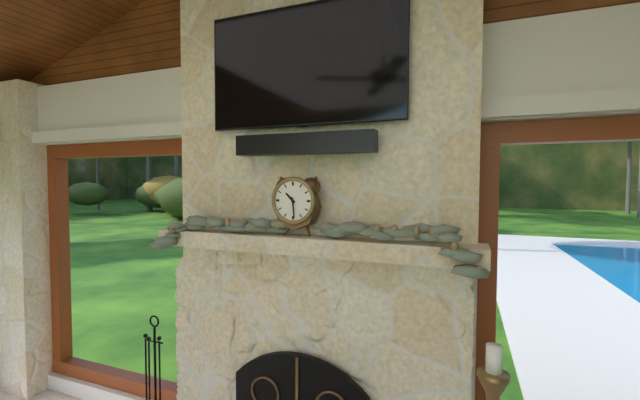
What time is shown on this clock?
10:29
